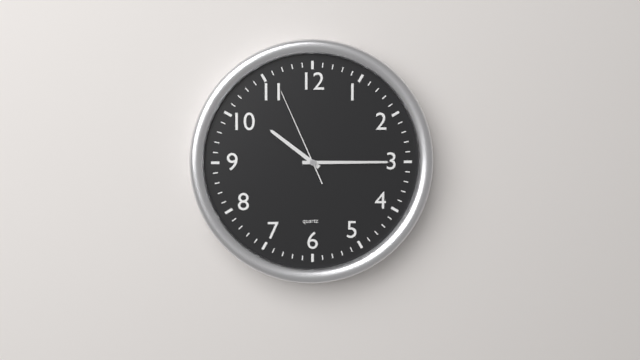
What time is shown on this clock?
10:15:56
